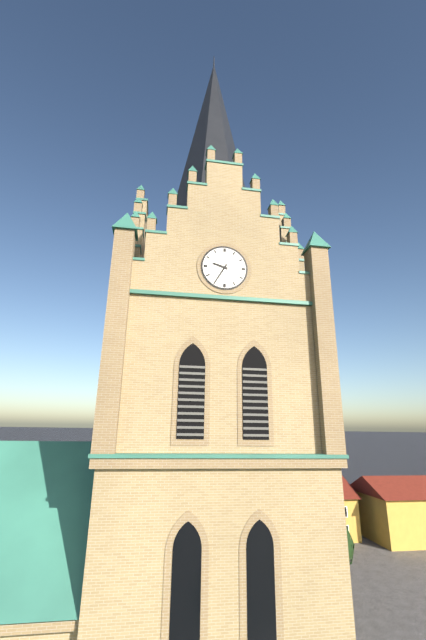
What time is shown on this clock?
9:35
